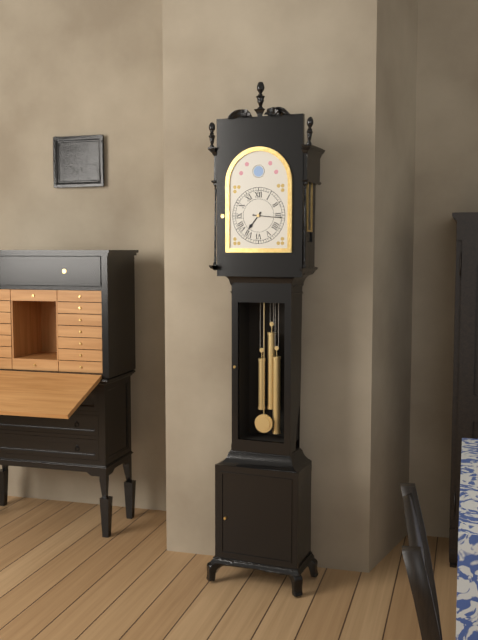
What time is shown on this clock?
7:16
